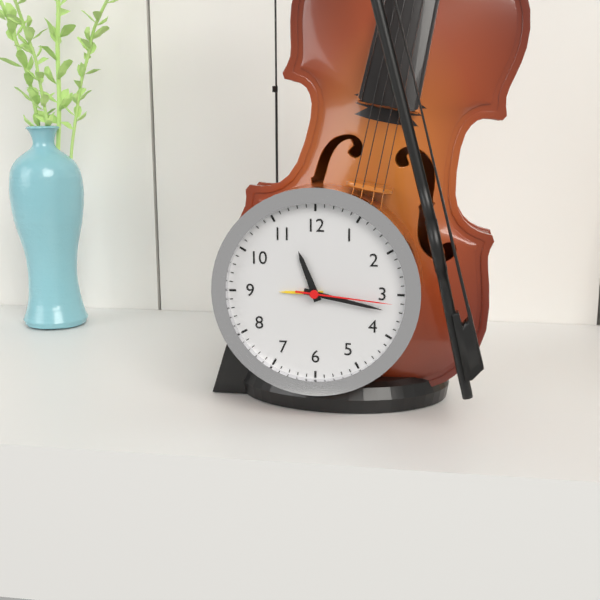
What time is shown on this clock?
11:17:16
